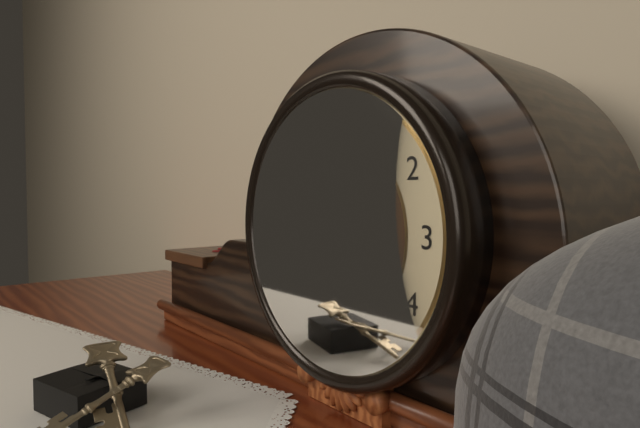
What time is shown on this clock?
3:22
